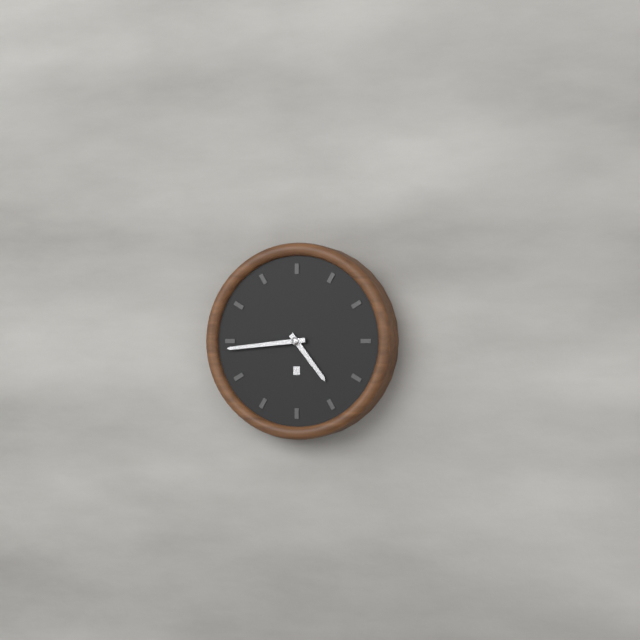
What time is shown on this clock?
4:44
